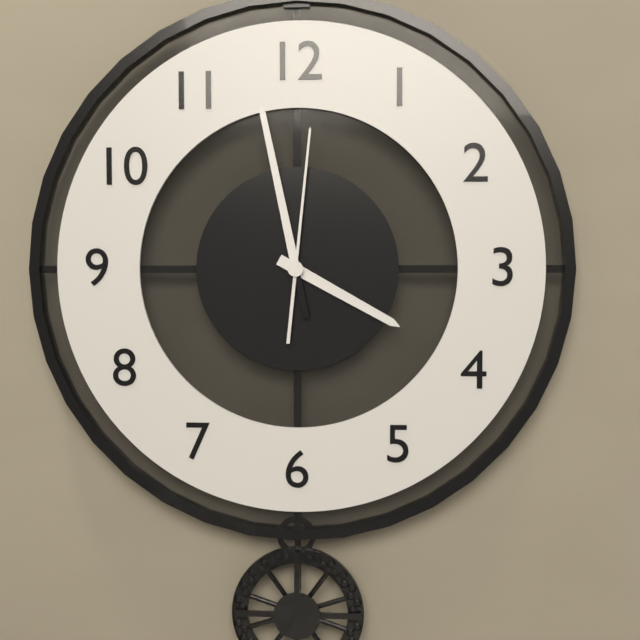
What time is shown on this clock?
3:58:01
